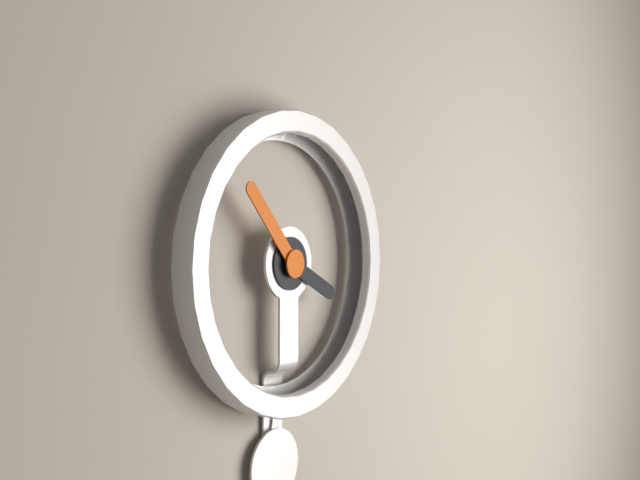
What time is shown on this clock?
3:53
